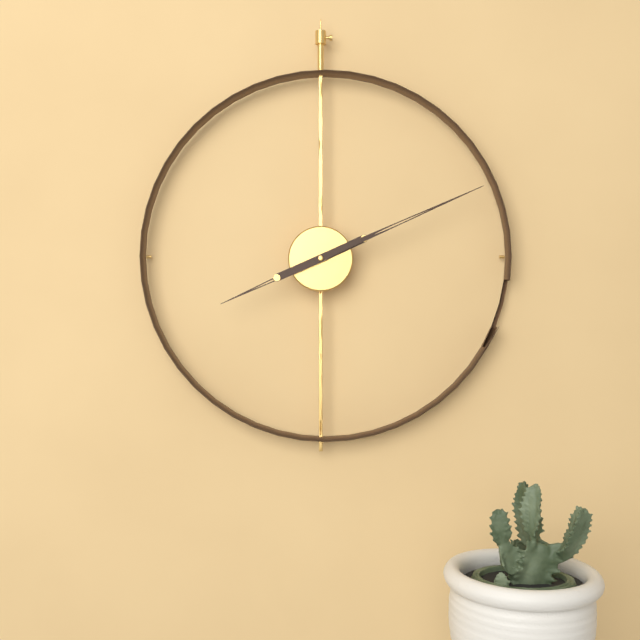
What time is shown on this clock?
8:11
